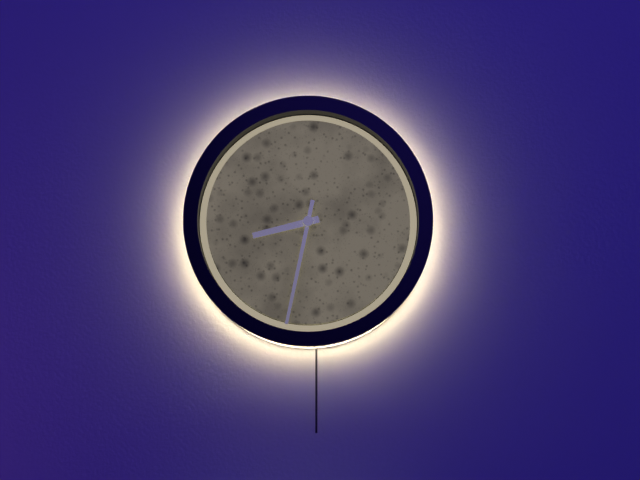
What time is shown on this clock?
8:32
